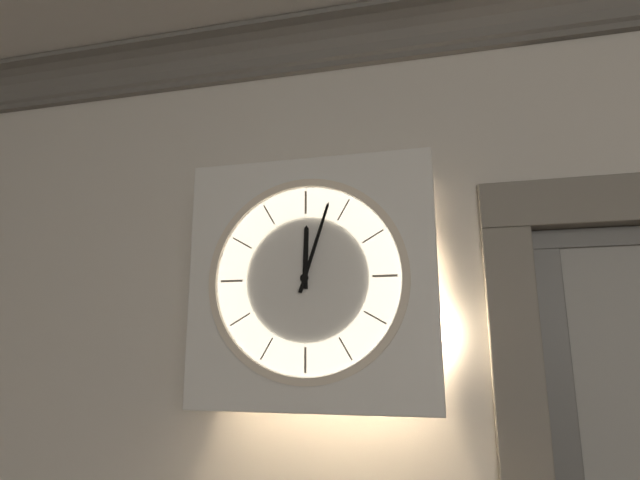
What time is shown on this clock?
12:03
